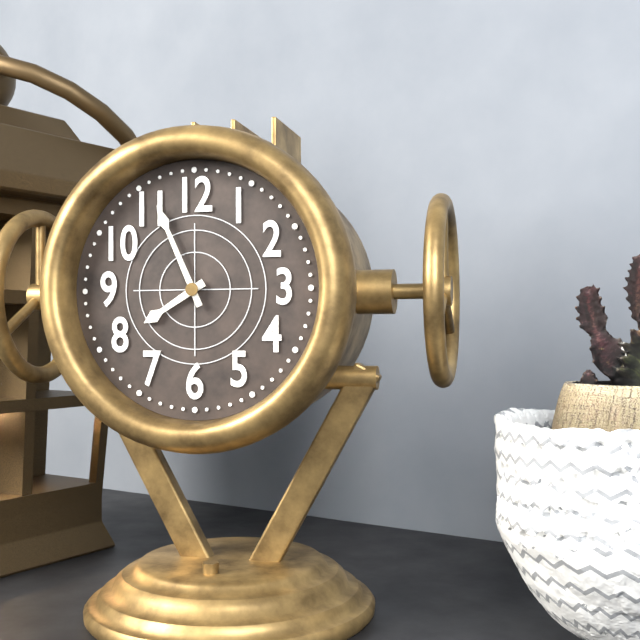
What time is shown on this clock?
7:56
